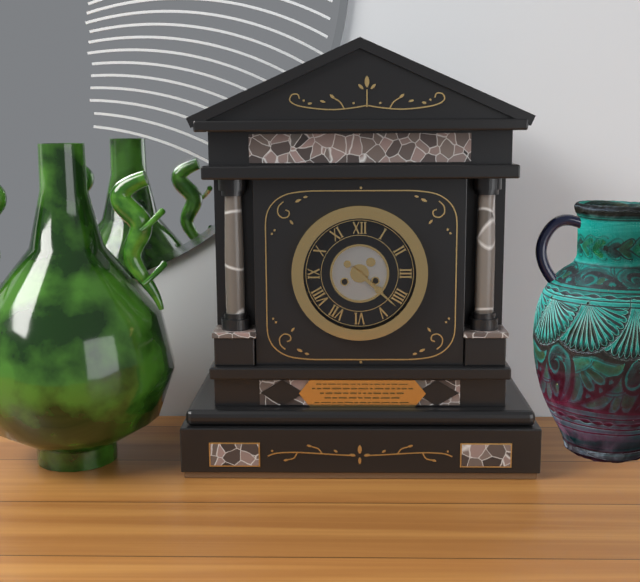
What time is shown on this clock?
4:22
